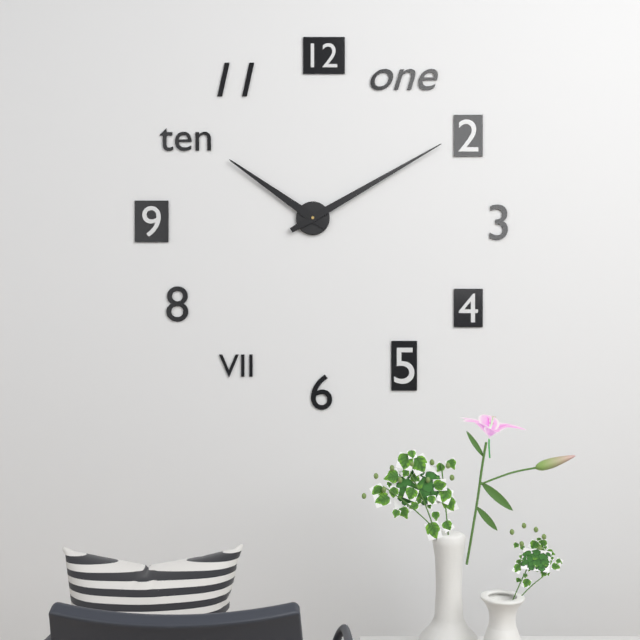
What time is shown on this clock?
10:10
